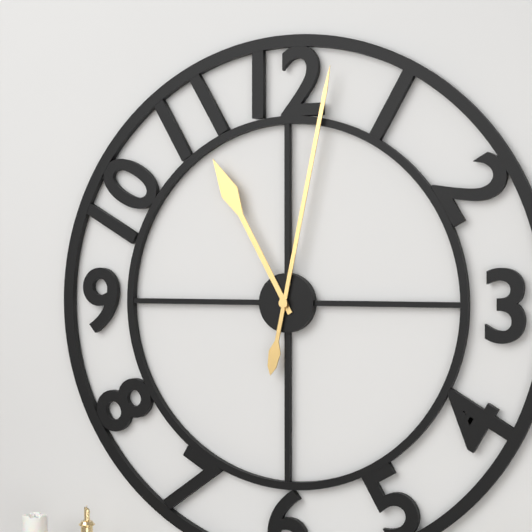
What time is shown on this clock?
11:02
